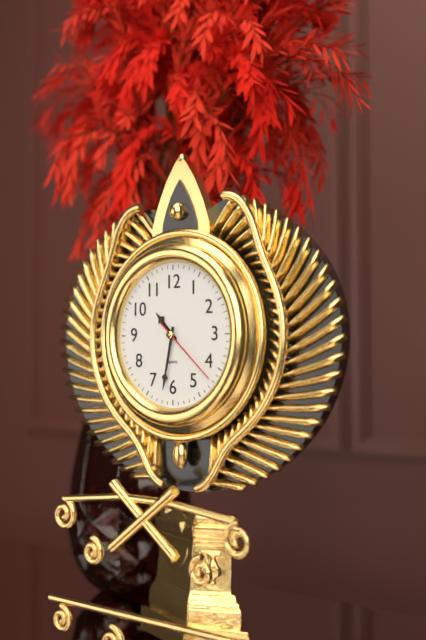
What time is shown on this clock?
10:32:22
